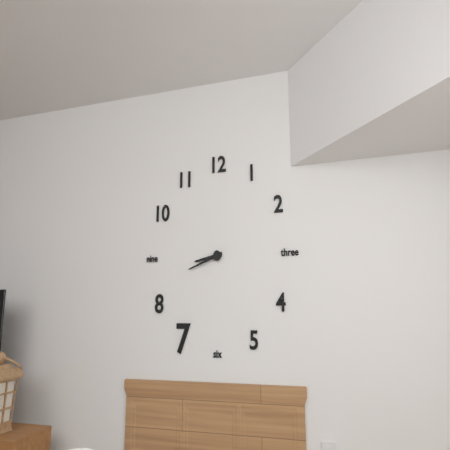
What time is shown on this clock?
8:42
